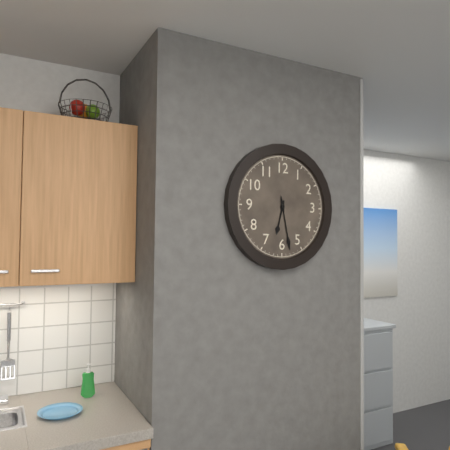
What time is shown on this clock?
6:28
